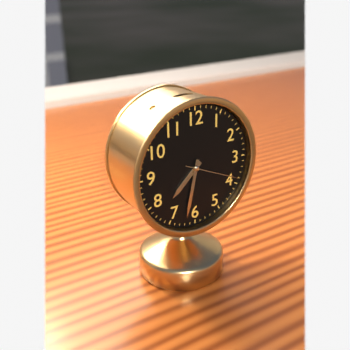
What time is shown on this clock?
7:32:19
